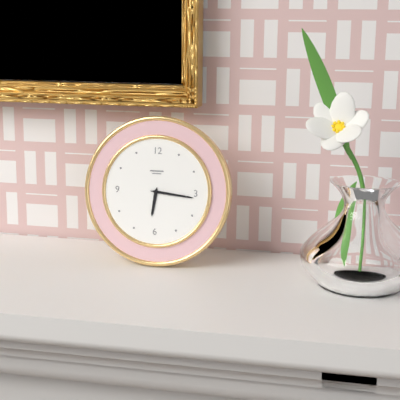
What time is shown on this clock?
6:16
